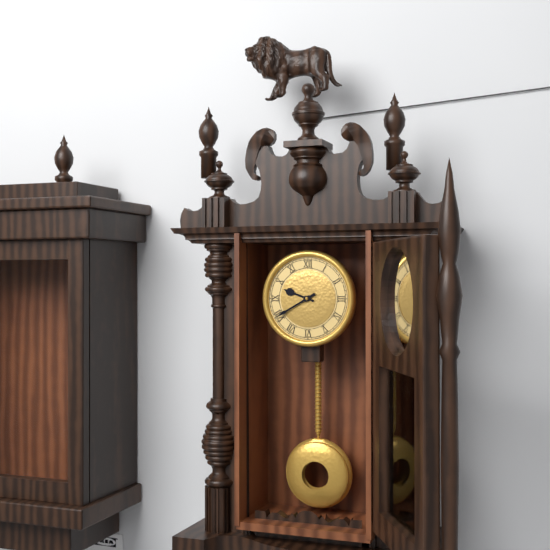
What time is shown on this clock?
9:40
